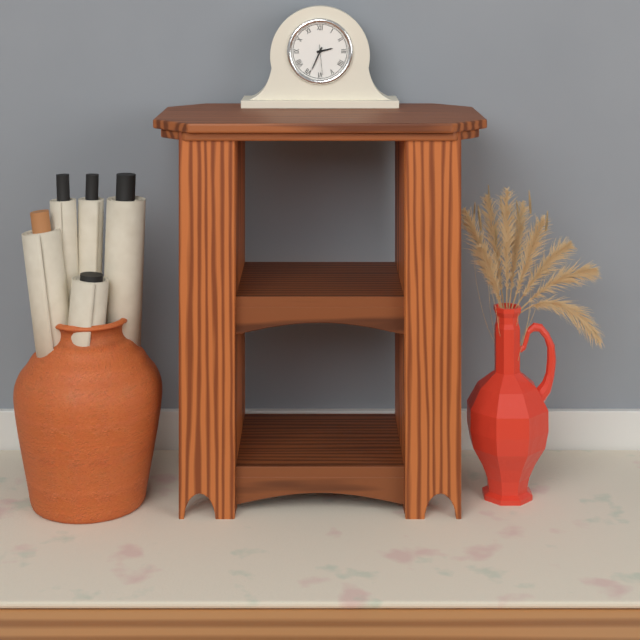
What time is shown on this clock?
2:34
